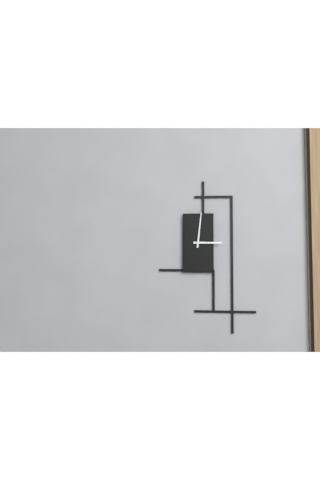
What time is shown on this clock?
3:01
